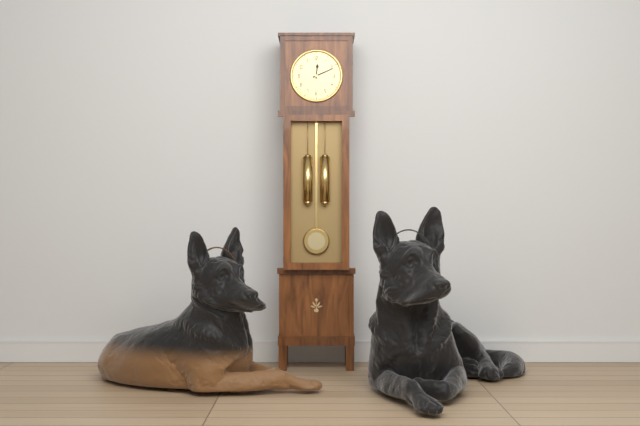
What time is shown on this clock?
12:11
